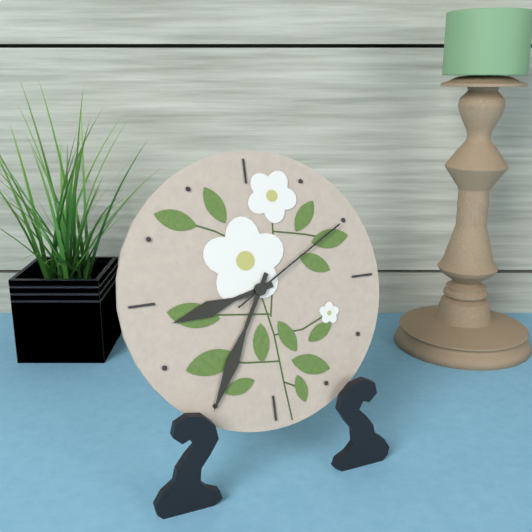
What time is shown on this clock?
8:35:10
